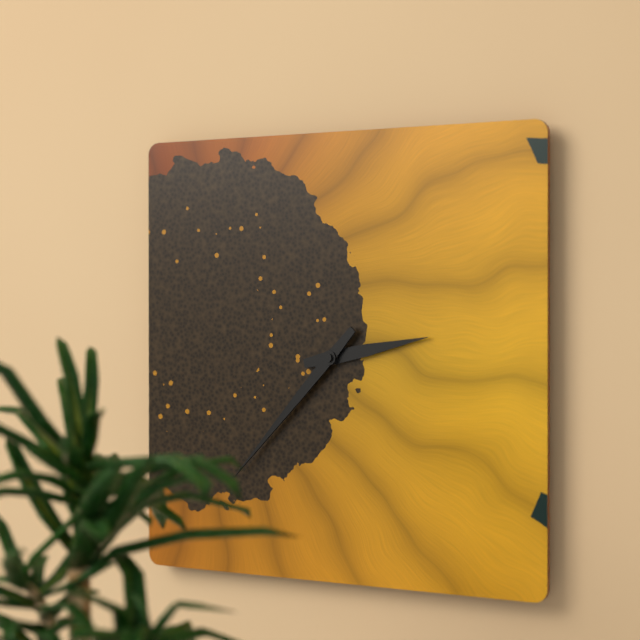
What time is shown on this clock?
2:37
